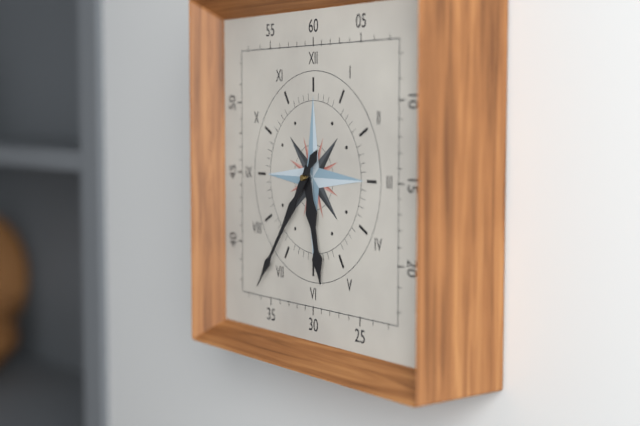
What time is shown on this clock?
5:36
